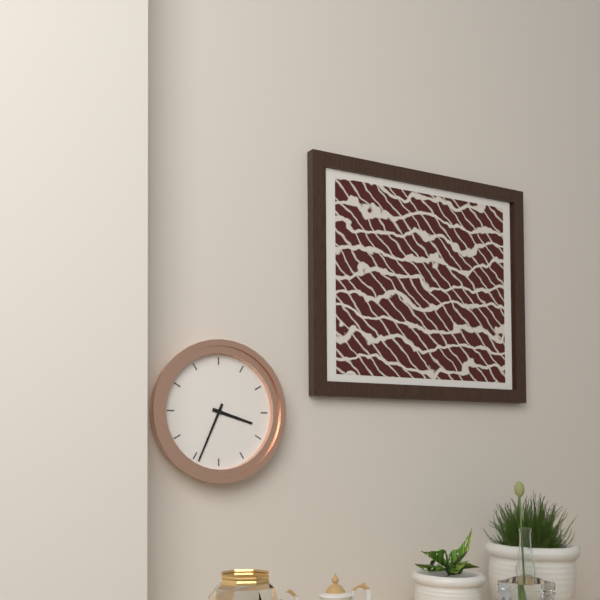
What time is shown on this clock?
3:34
